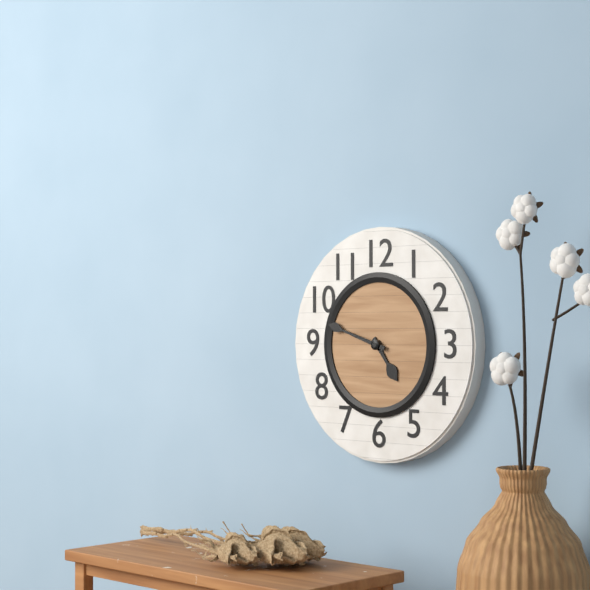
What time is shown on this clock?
4:48
